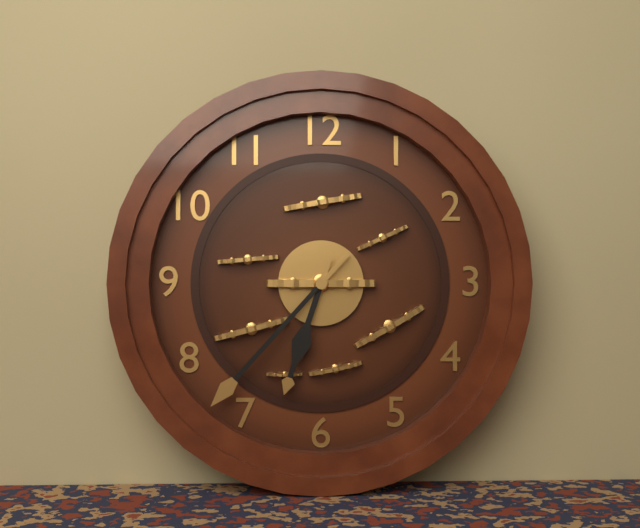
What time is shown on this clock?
6:37
